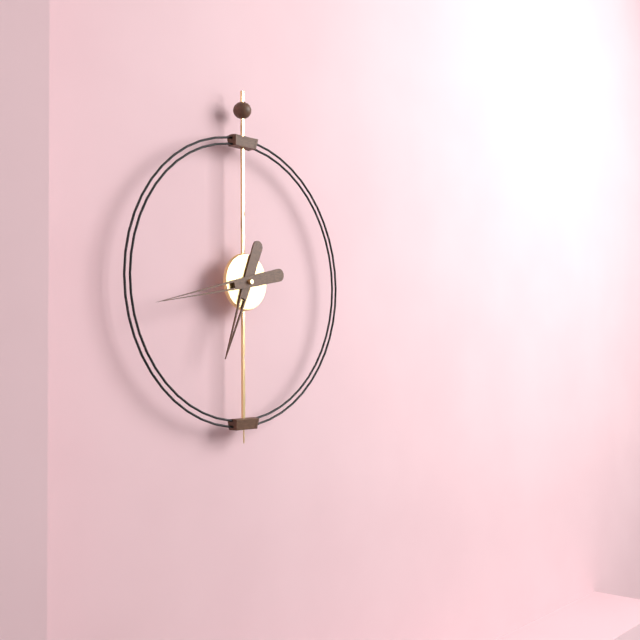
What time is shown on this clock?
6:43
